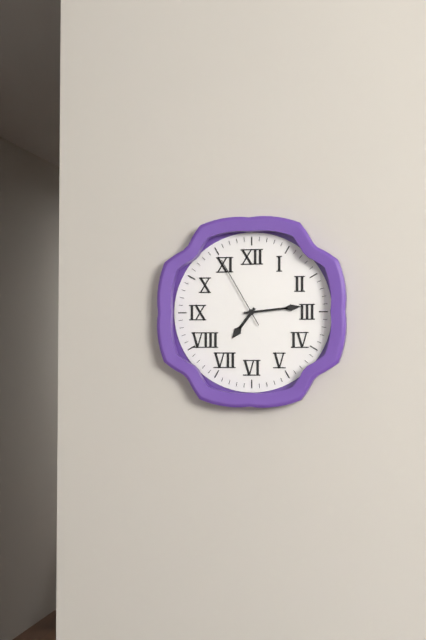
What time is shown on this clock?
7:14:55
